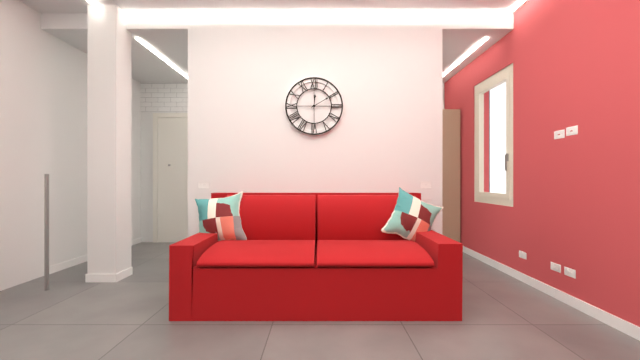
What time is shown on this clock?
12:10
